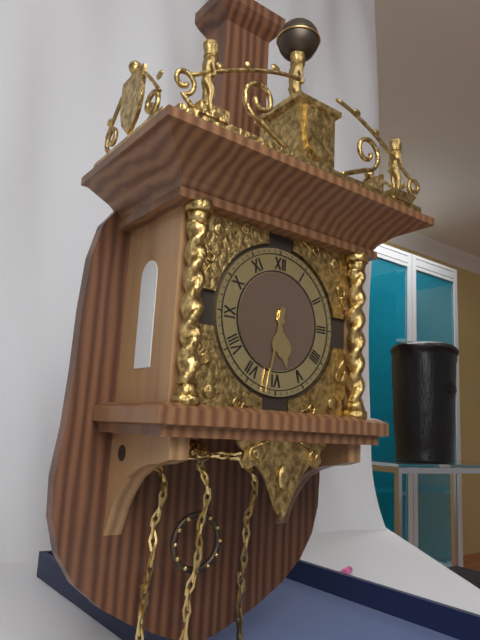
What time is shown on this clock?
5:32
